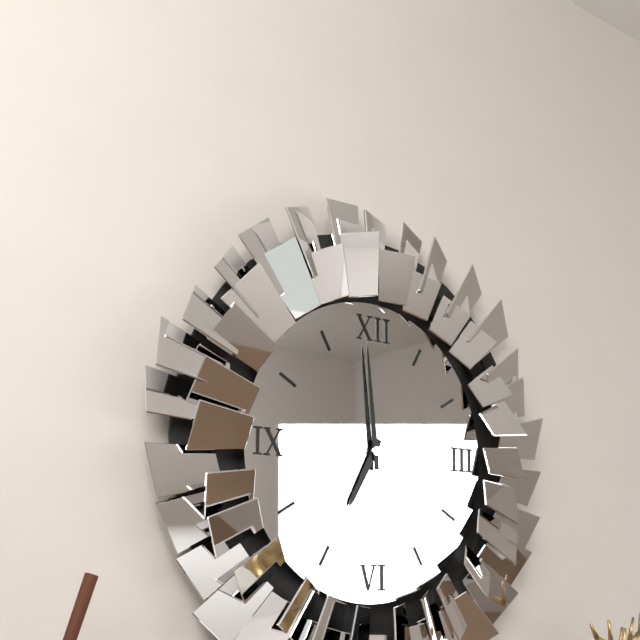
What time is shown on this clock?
6:59
